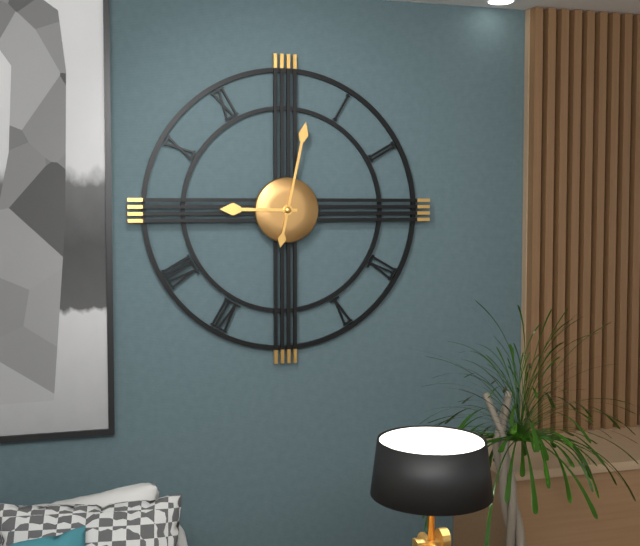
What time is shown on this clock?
9:02
